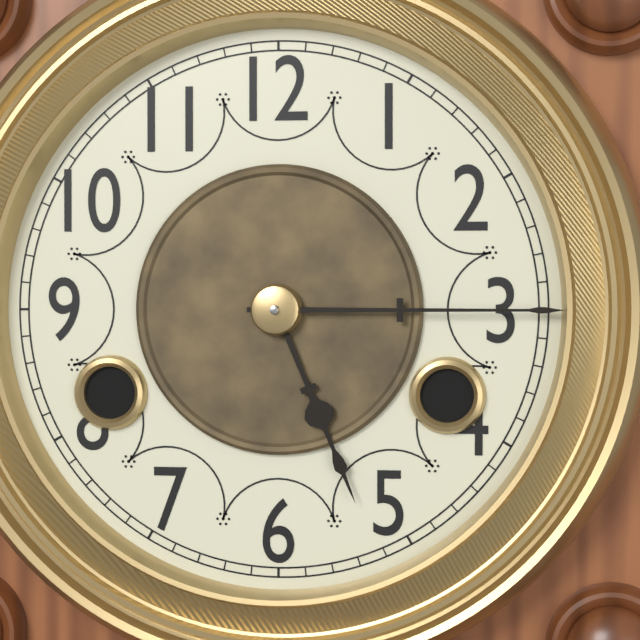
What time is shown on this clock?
5:15
